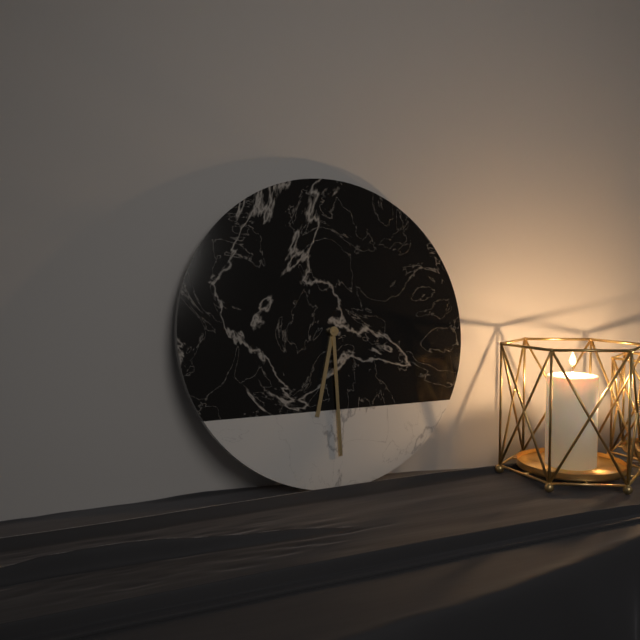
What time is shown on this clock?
6:30
